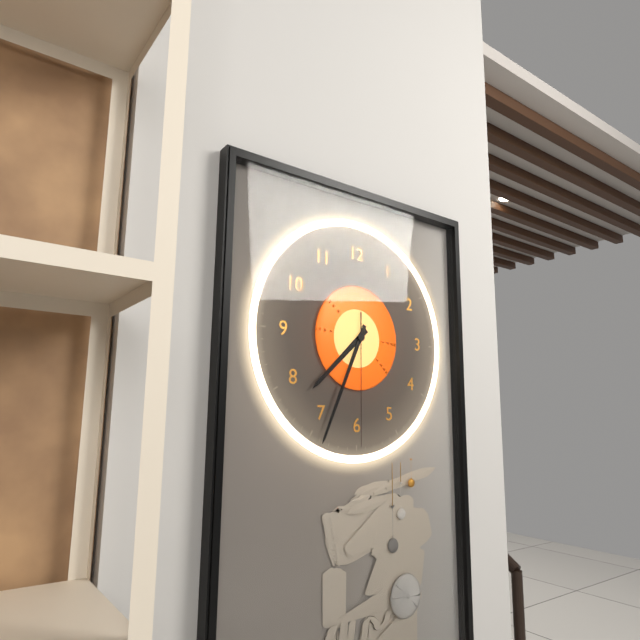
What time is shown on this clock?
7:34:30
